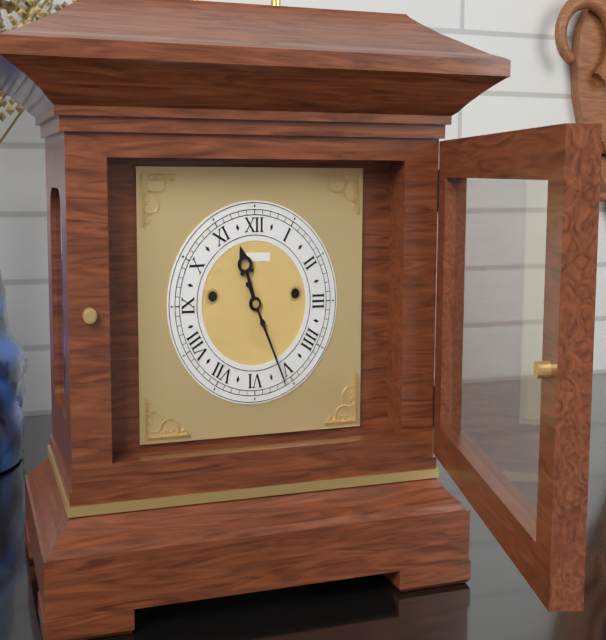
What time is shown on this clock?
11:26
